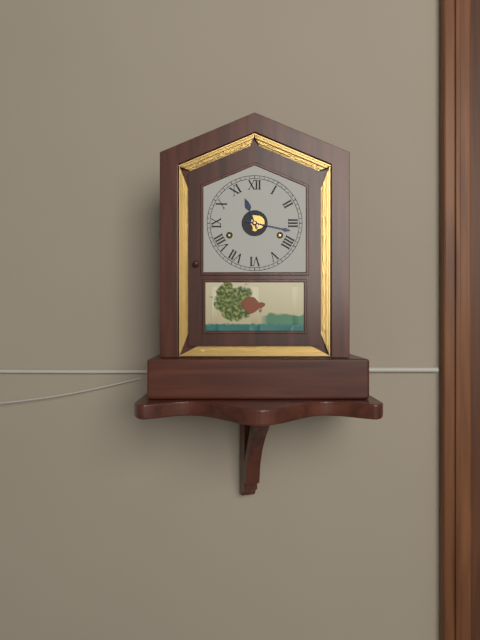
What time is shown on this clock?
11:17
